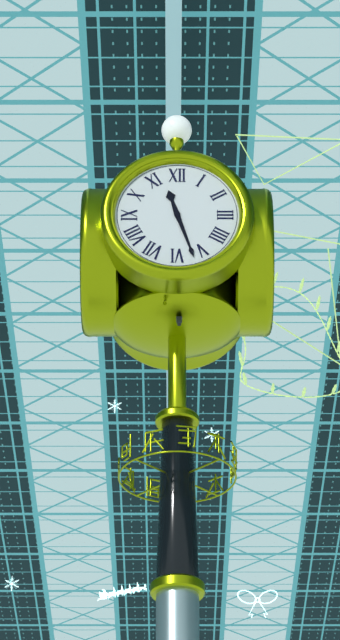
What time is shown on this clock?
11:27
